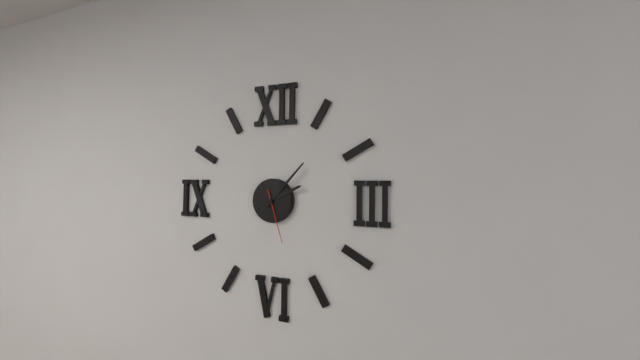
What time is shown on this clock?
2:07:27
